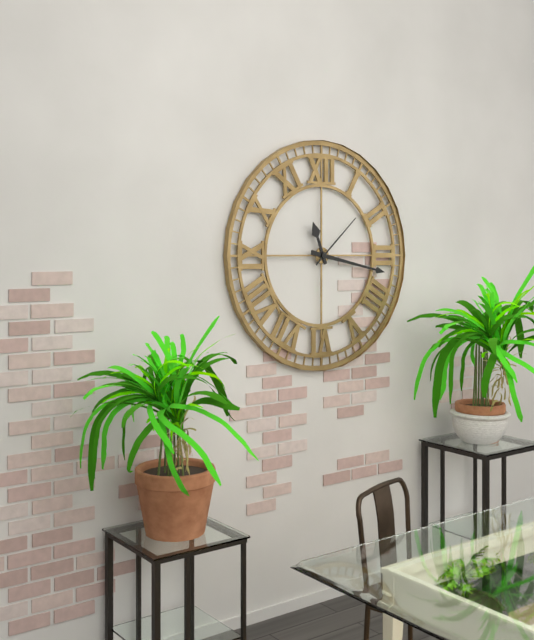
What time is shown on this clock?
11:17:08
